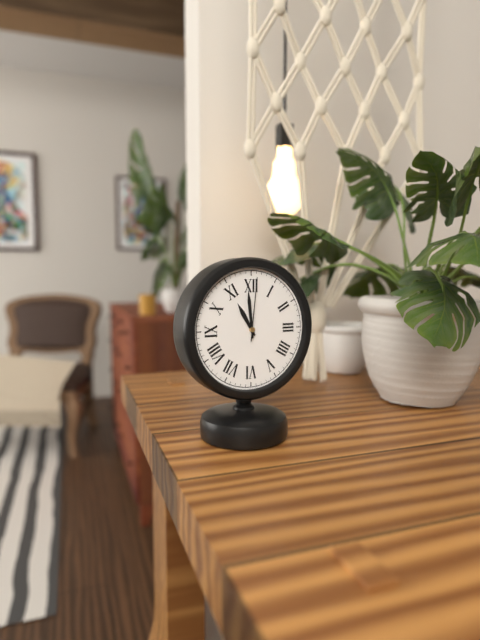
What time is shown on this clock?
10:59:01
